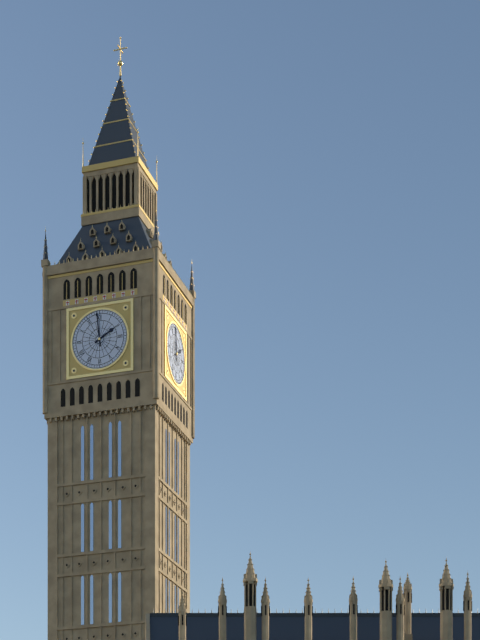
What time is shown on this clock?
1:59
